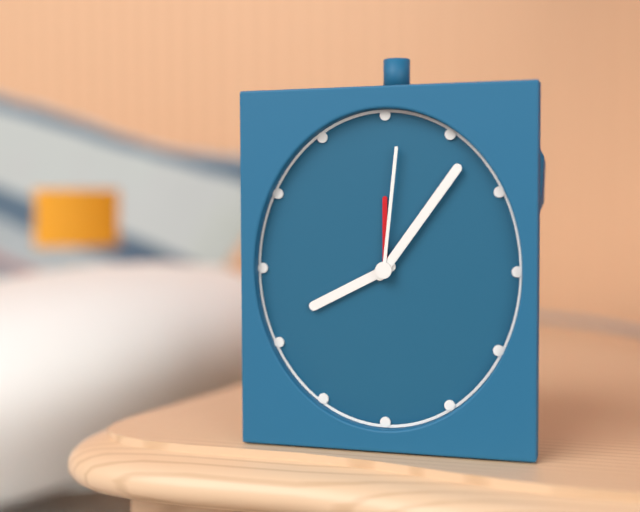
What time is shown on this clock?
8:06:01
